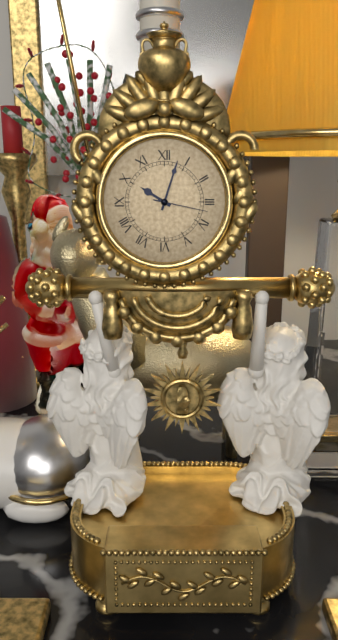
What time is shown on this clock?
10:03:17
